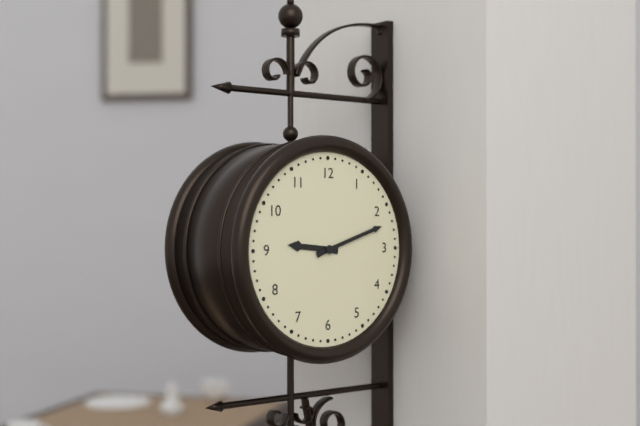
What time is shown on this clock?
9:12
